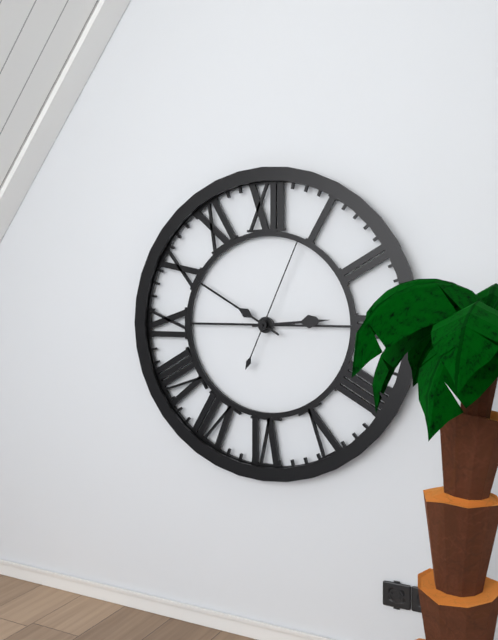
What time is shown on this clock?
2:50:04
